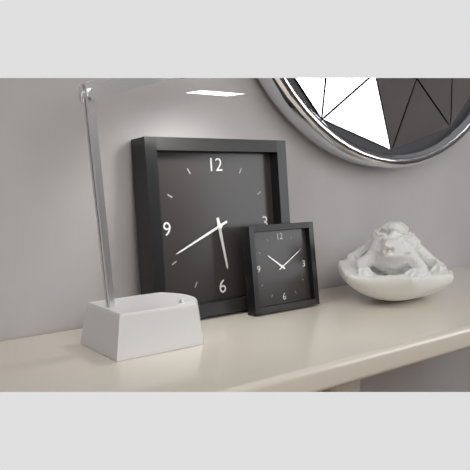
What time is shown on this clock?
5:41
